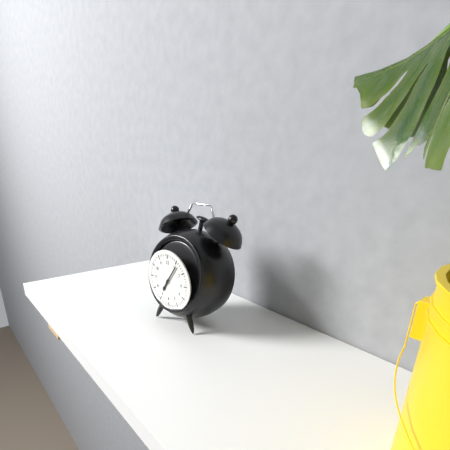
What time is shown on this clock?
7:06
